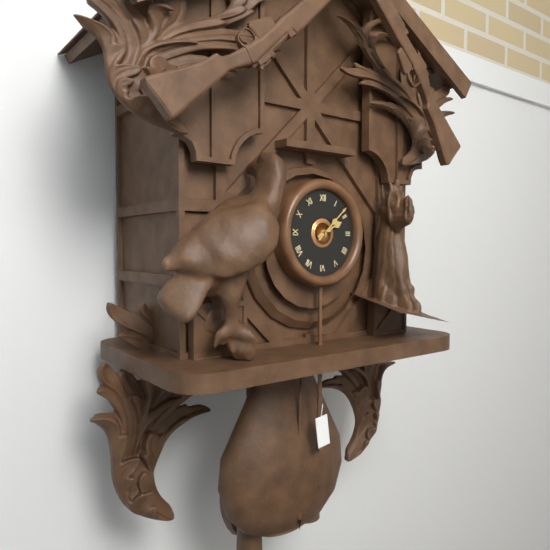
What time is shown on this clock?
2:08
